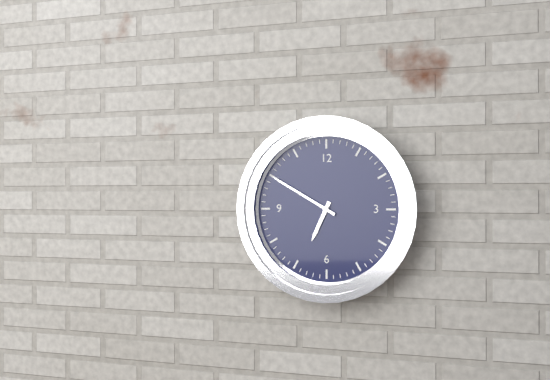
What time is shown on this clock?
6:50
